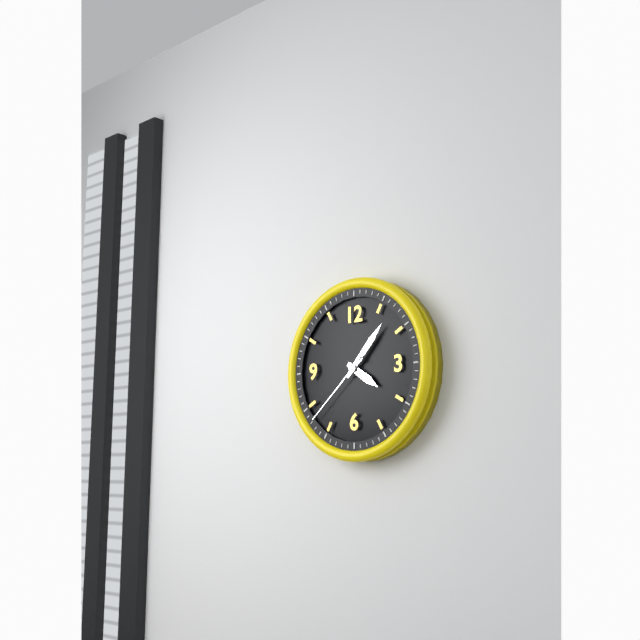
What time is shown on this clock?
4:07:38
